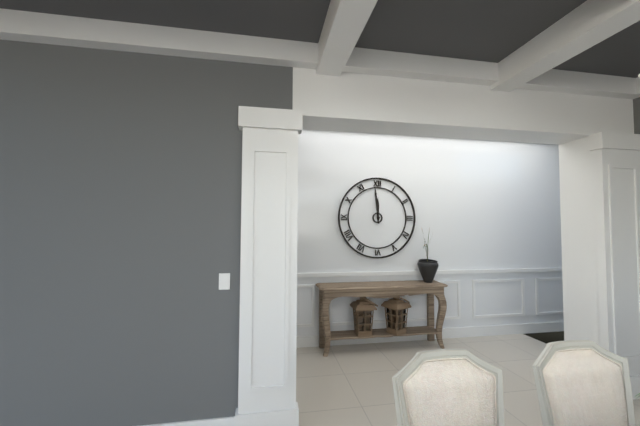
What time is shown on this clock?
11:59
